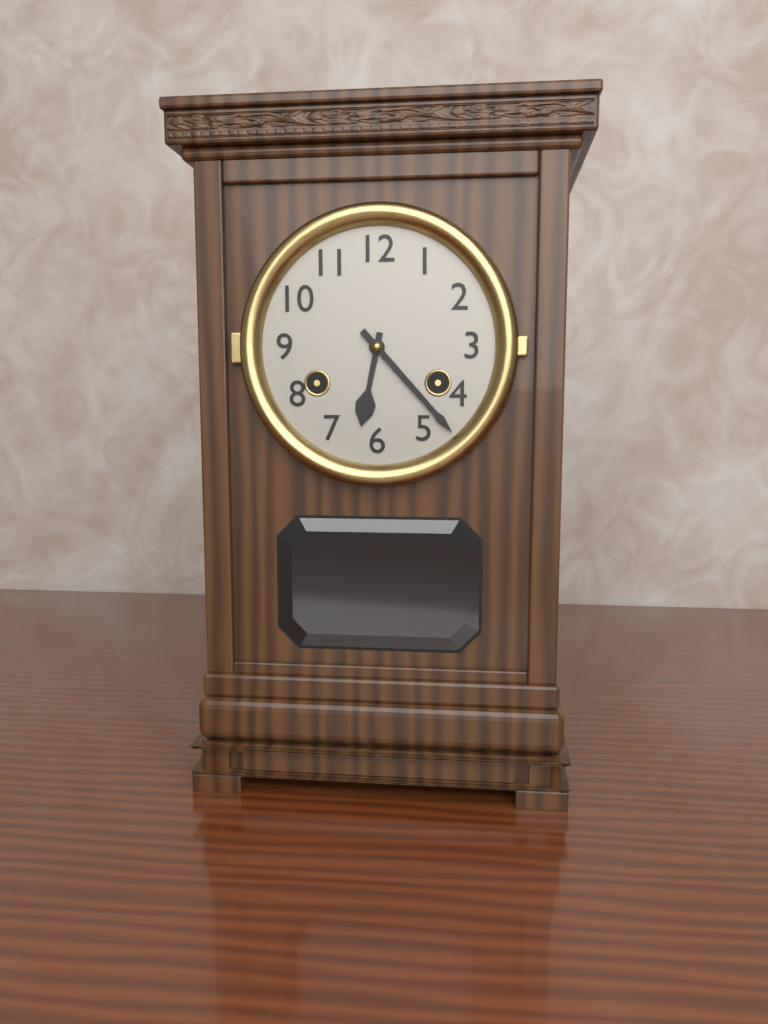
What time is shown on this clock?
6:23
